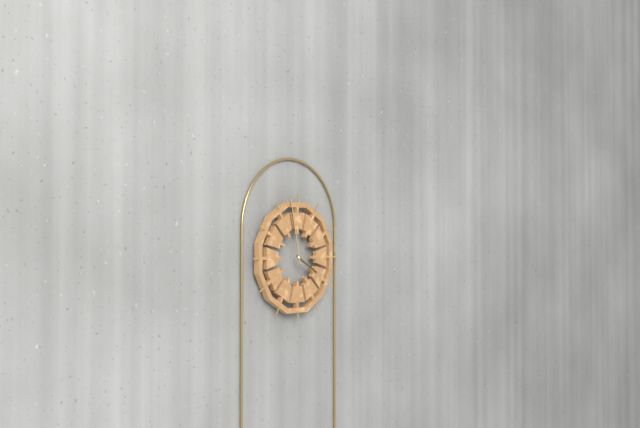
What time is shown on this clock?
3:58
